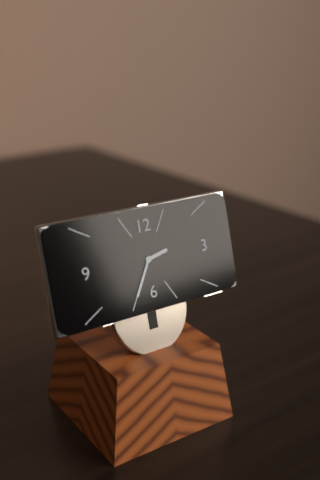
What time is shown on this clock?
2:35
